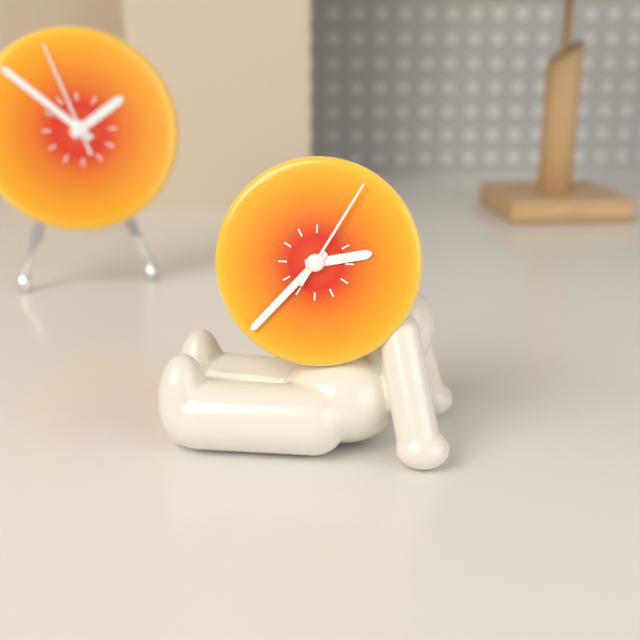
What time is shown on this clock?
2:37:05
